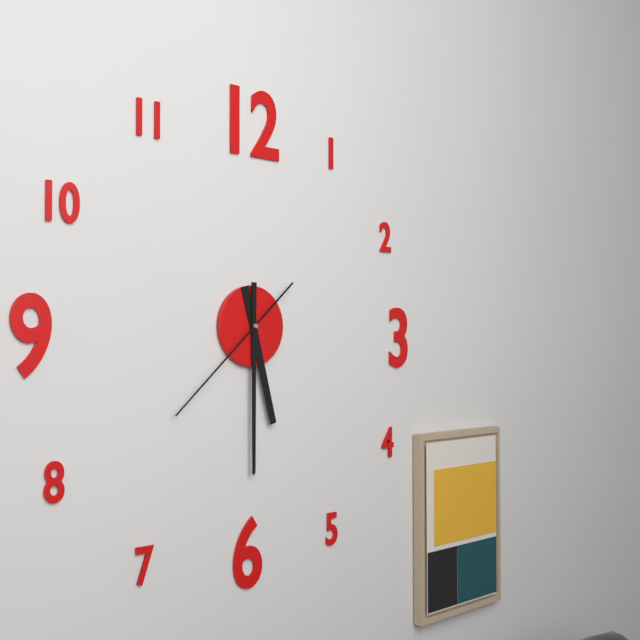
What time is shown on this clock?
5:30:38
